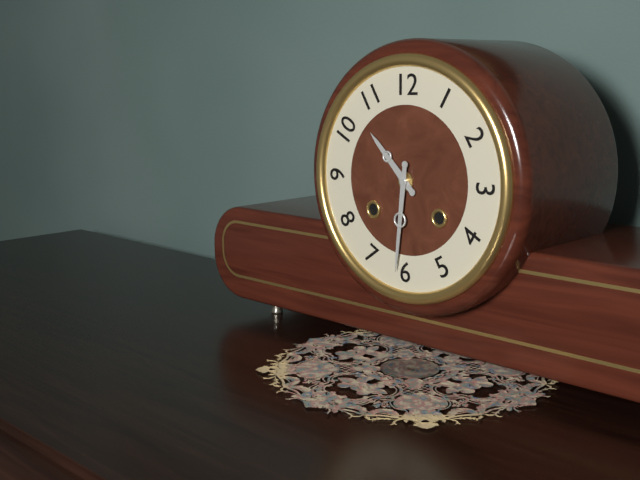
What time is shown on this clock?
10:31
